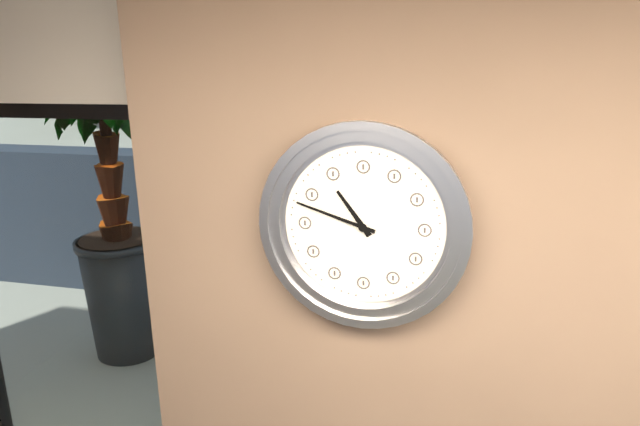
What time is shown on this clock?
10:48
